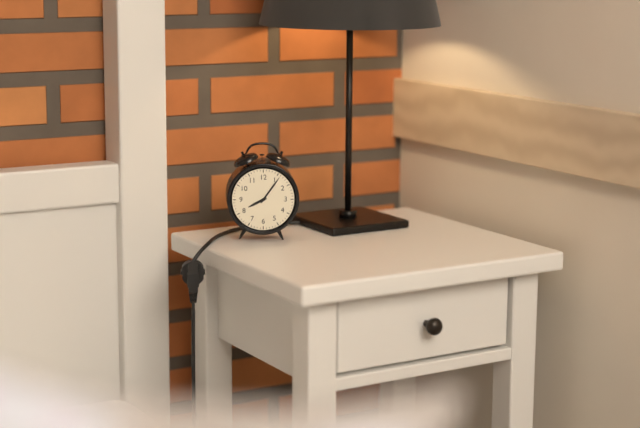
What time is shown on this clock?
8:06
